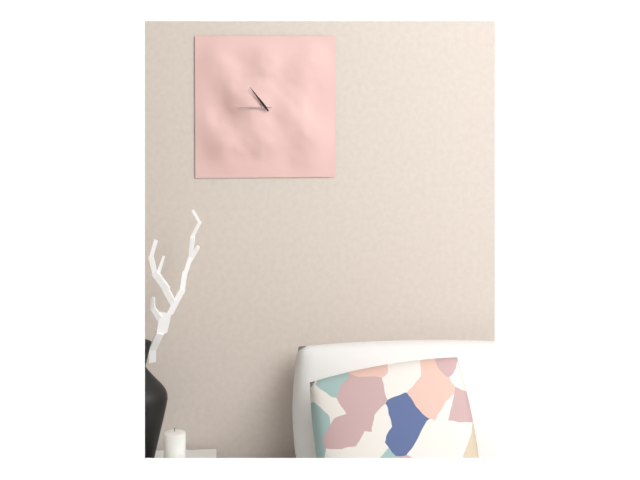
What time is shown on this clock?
10:45
